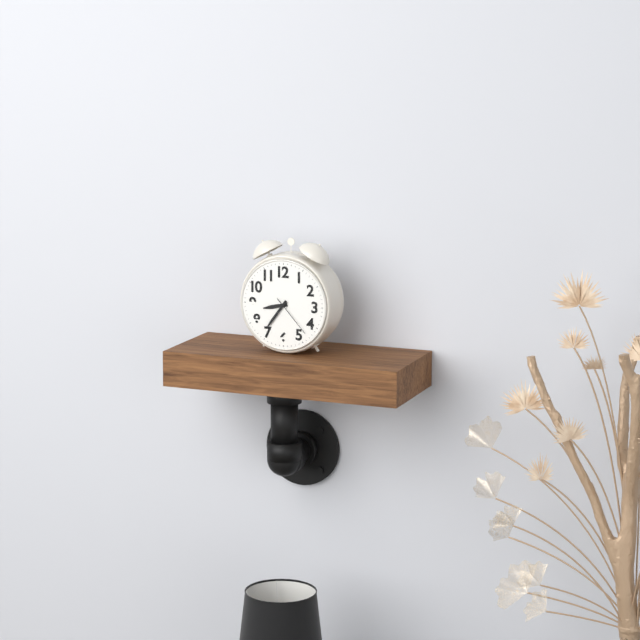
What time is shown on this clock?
8:36
